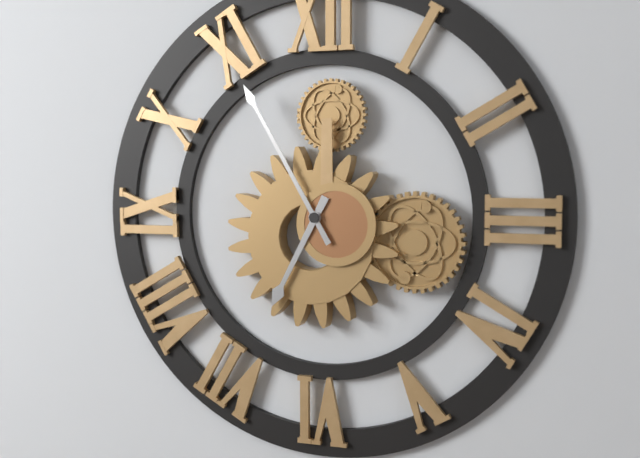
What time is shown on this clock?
6:55
